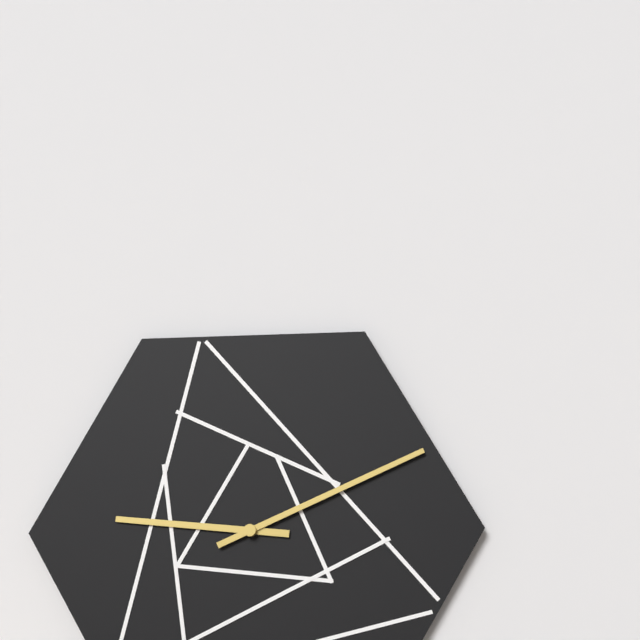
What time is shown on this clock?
9:11
